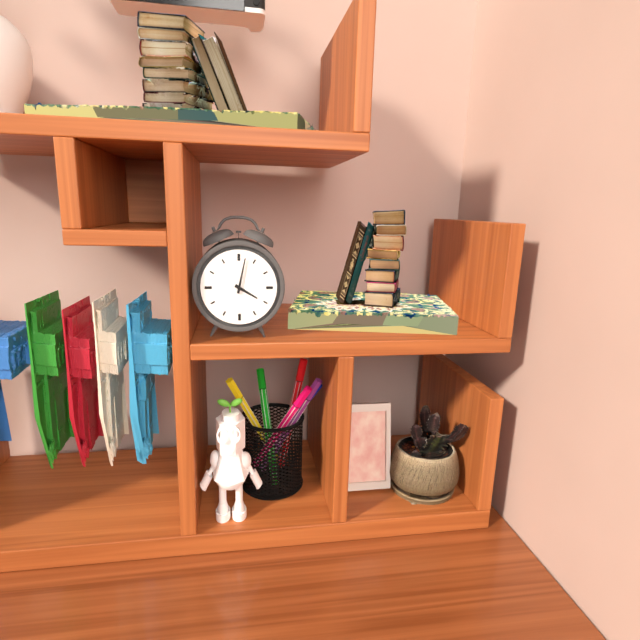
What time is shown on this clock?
4:02
